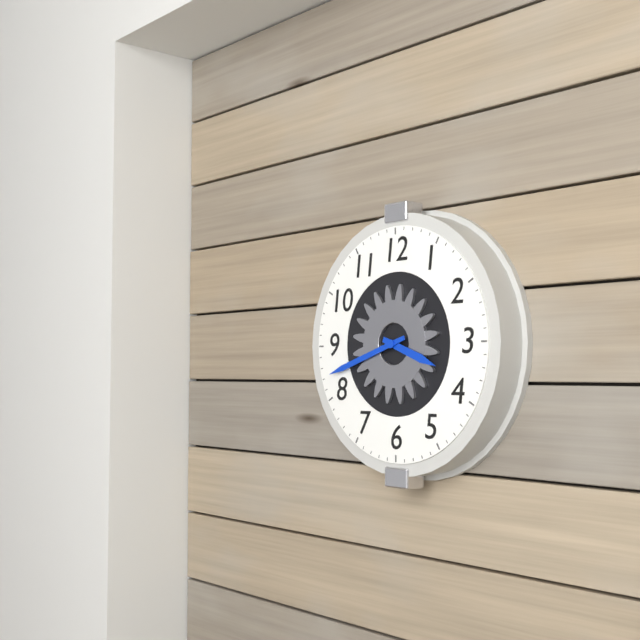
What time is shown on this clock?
3:42
